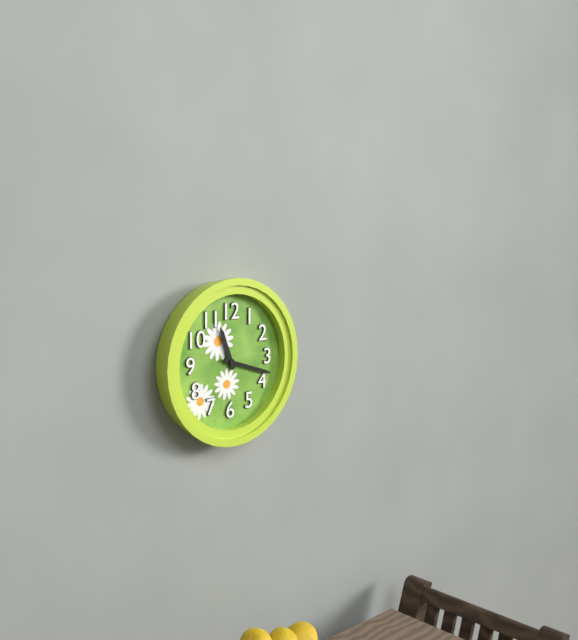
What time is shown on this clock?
11:18
